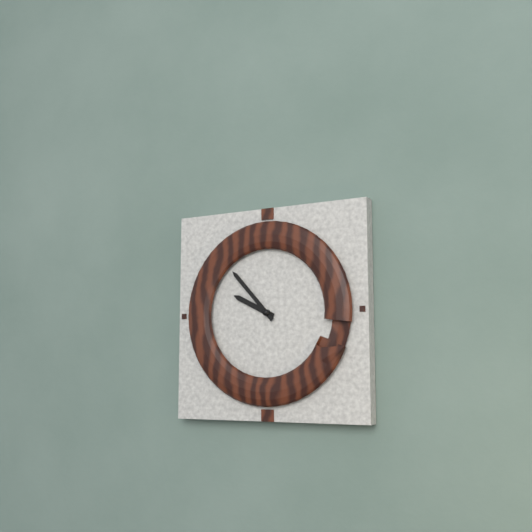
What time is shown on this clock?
9:53
